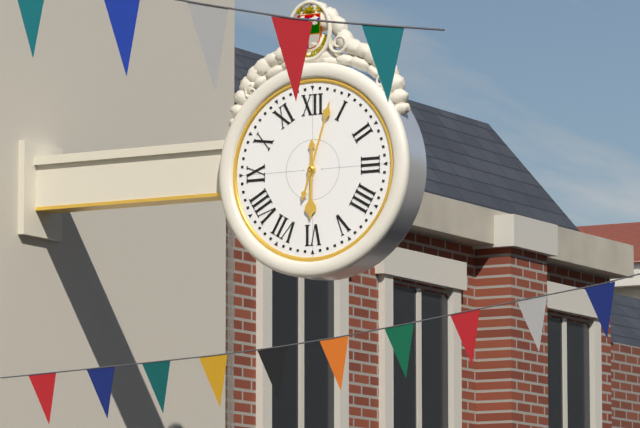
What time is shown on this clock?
6:03
